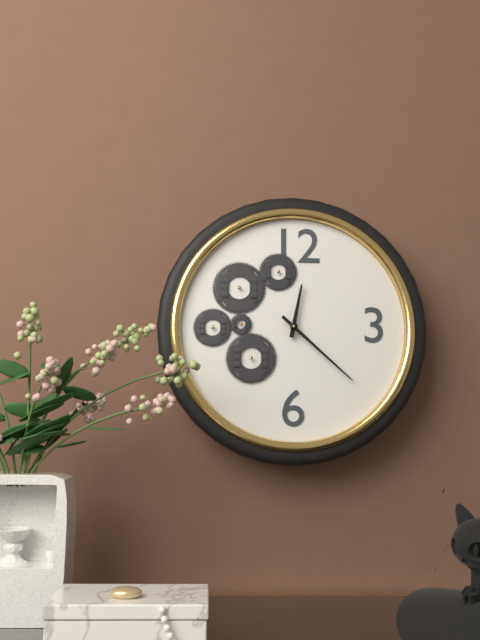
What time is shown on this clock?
12:22
